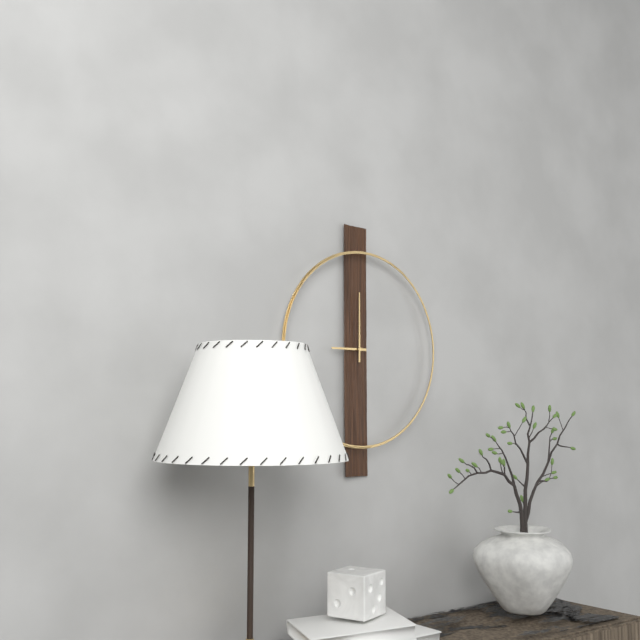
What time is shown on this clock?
9:00
